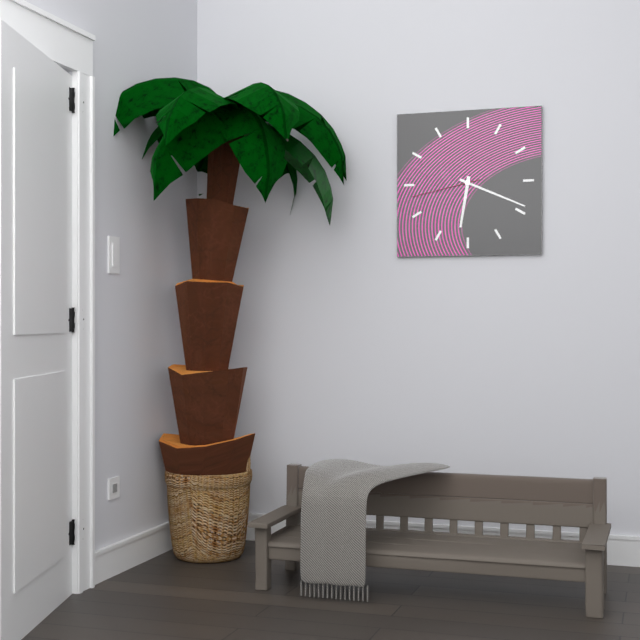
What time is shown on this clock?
6:19:43
